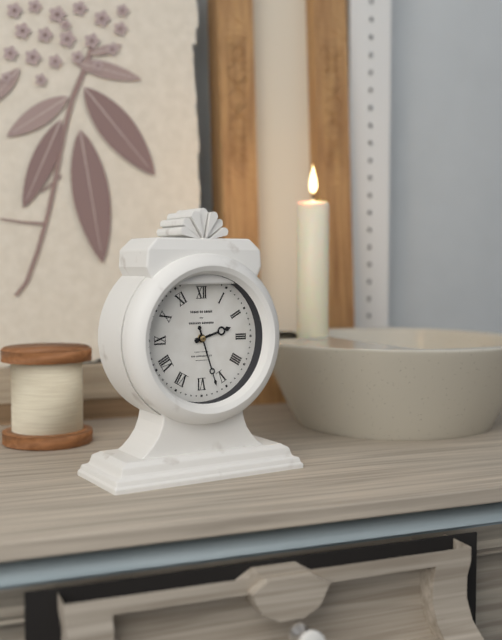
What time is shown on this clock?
2:27
